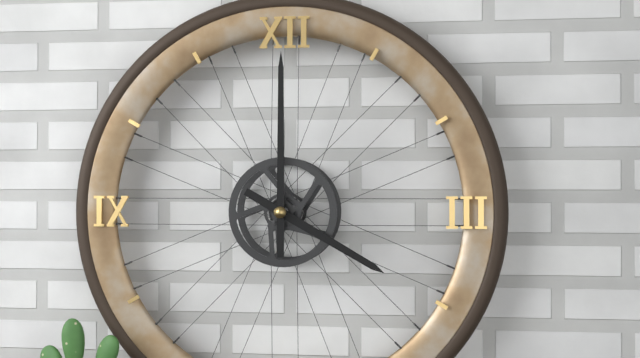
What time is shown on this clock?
4:00
